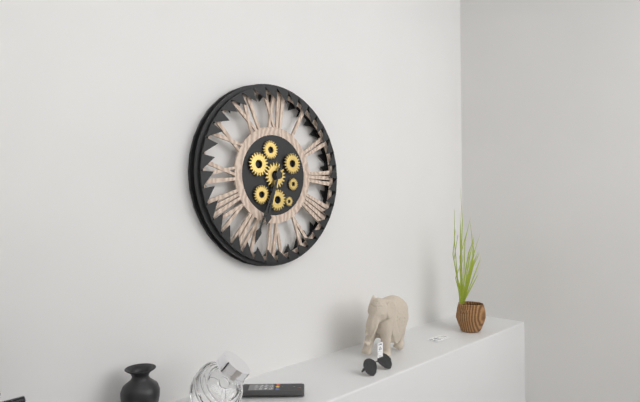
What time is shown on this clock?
6:34
